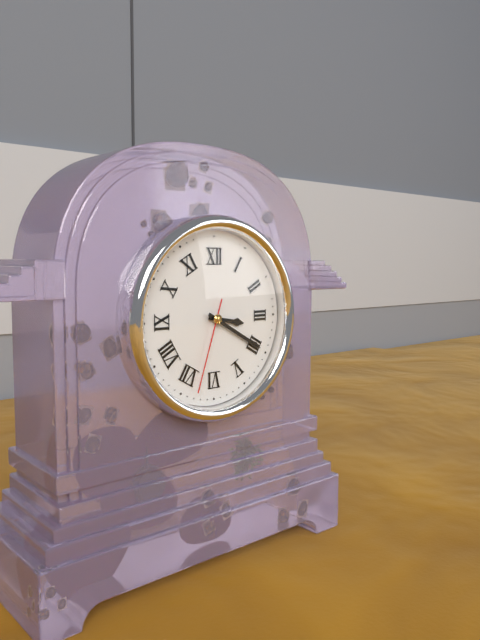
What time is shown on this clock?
3:20:33
